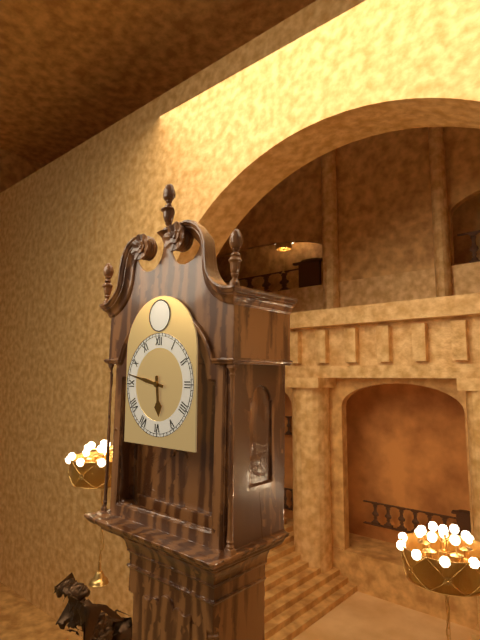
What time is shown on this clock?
5:47
